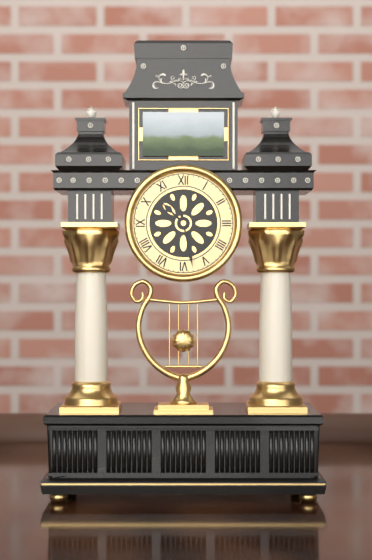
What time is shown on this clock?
10:28
